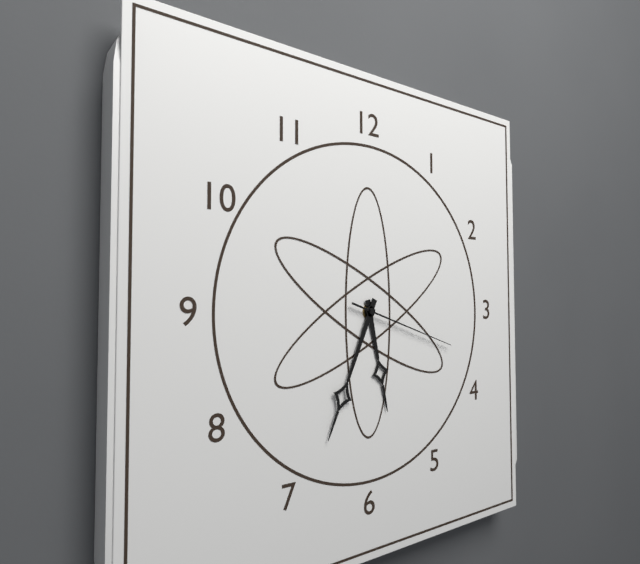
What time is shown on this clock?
5:34:18
